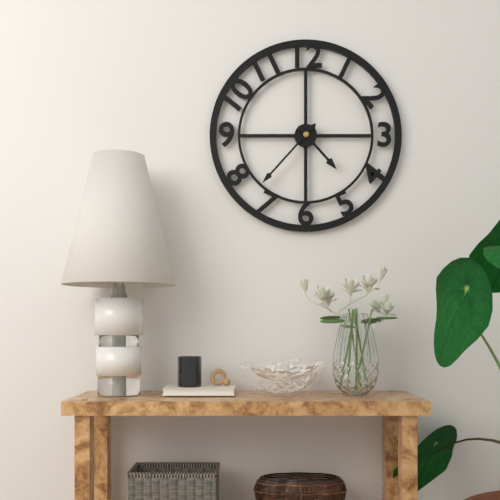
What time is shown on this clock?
4:37
